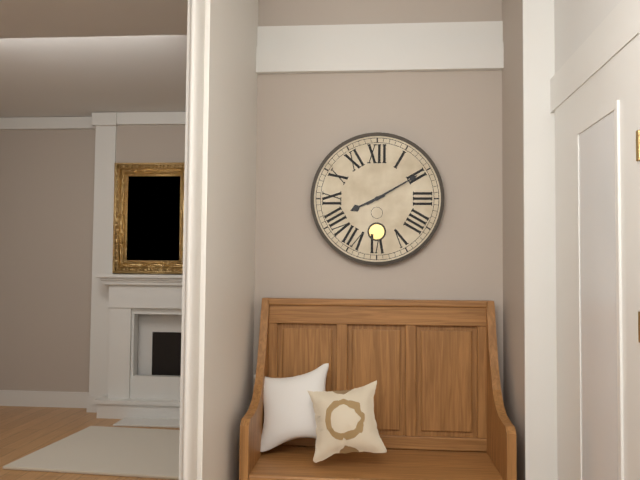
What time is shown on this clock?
8:10
